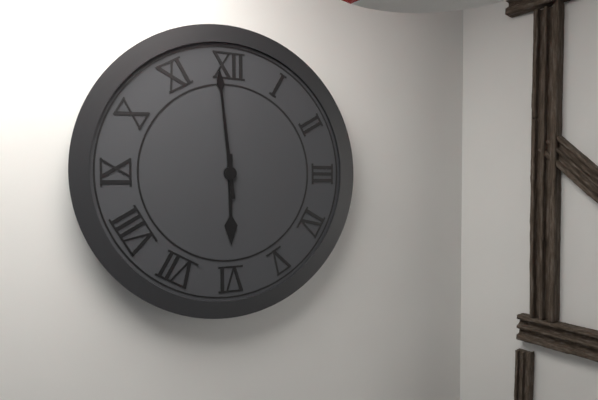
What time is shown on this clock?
5:59
